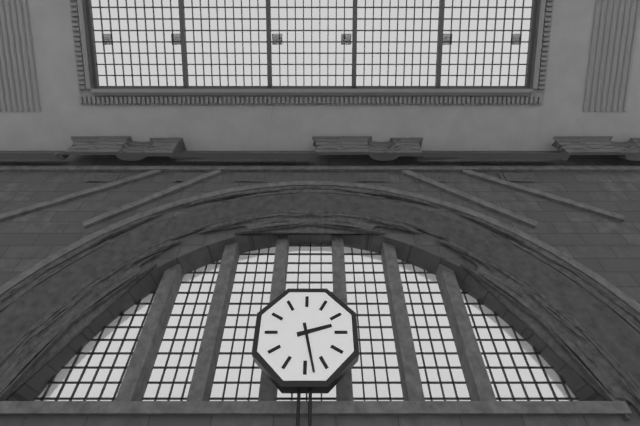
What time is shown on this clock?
2:28
